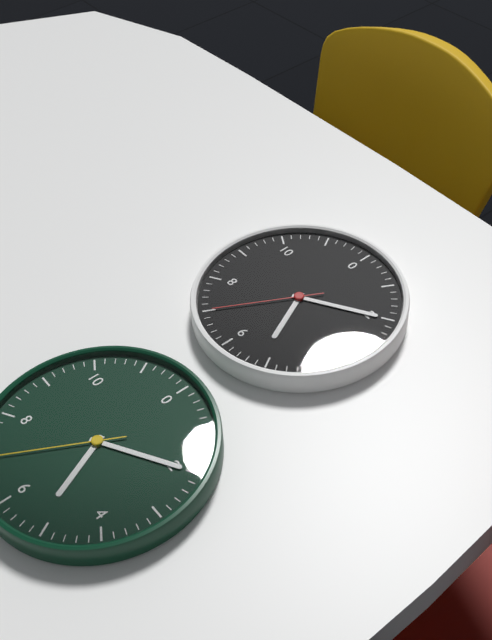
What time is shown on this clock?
5:10:35
